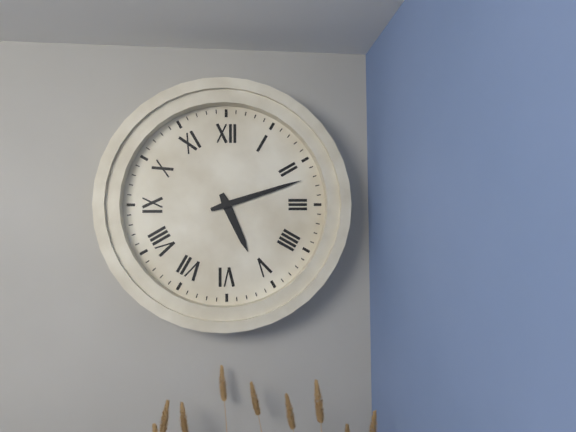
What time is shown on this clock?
5:12
